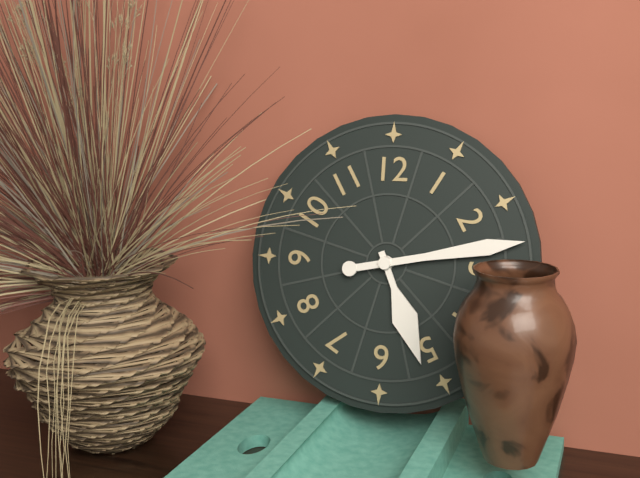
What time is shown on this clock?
5:13
